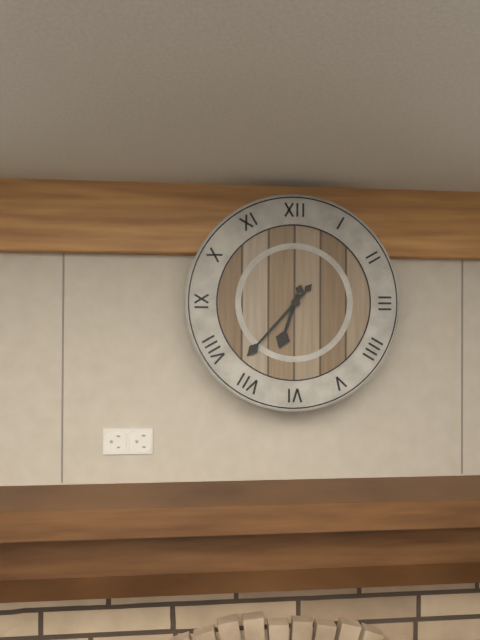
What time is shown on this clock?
6:37
